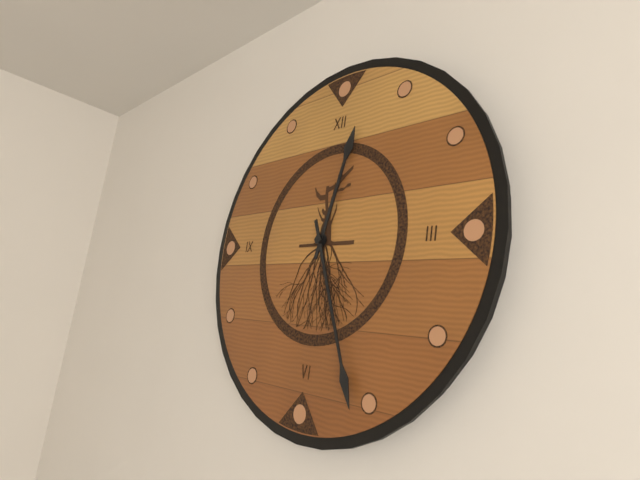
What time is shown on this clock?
12:26
